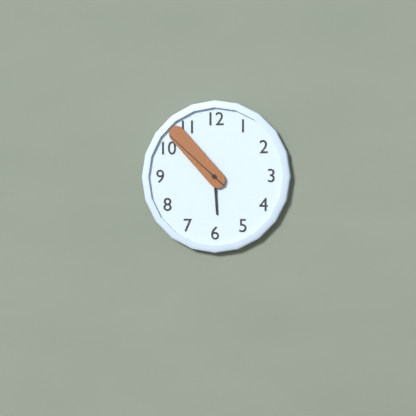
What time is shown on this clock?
5:53:52
